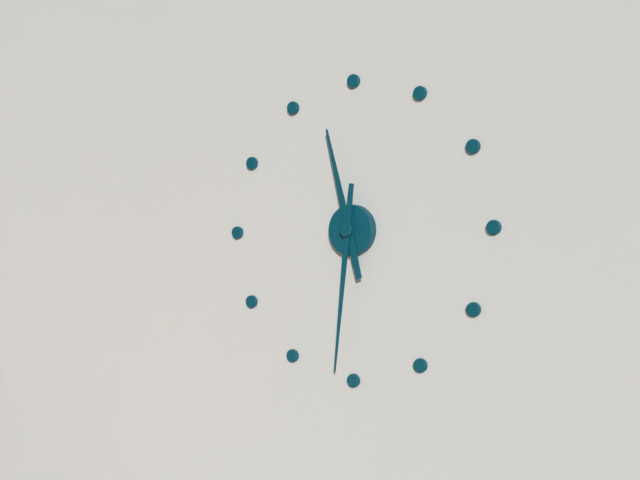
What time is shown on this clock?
11:31
